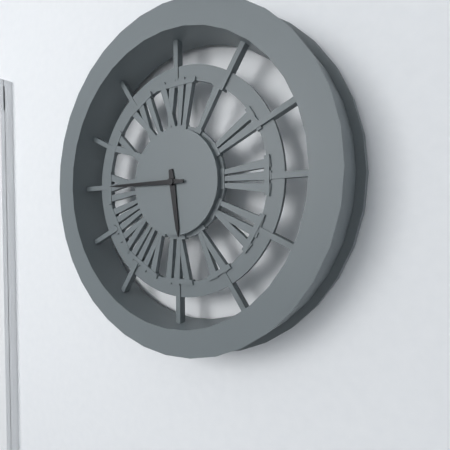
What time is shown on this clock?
5:45
